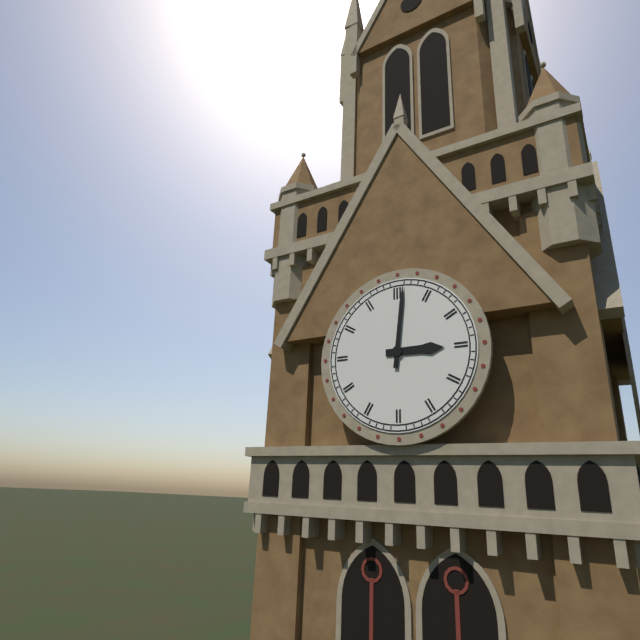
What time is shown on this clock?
3:01
